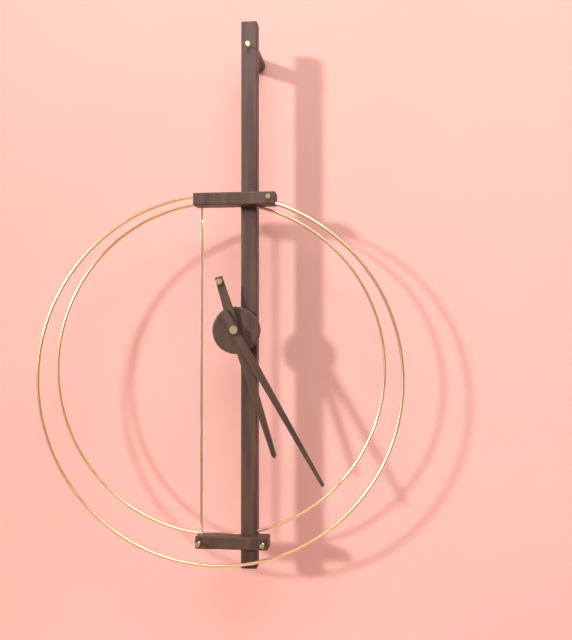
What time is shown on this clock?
5:25
